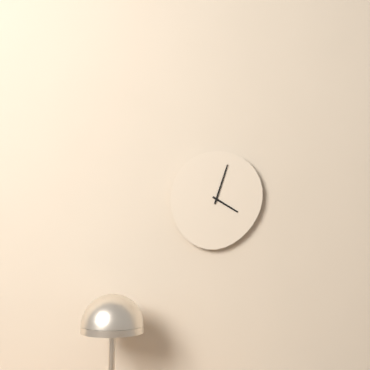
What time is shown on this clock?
4:03
